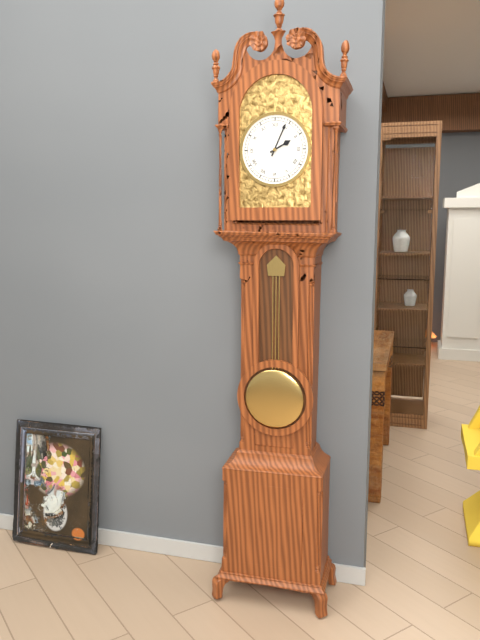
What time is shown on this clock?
2:04
